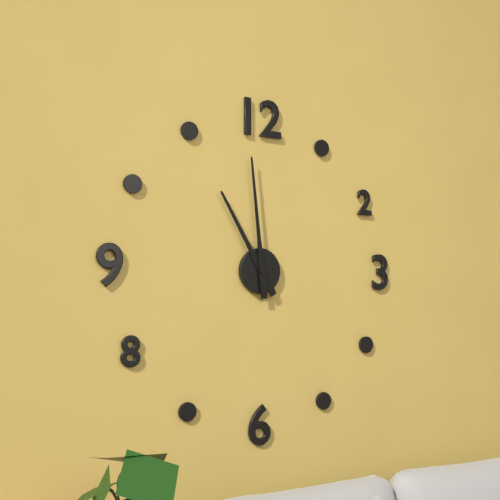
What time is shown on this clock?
10:59
